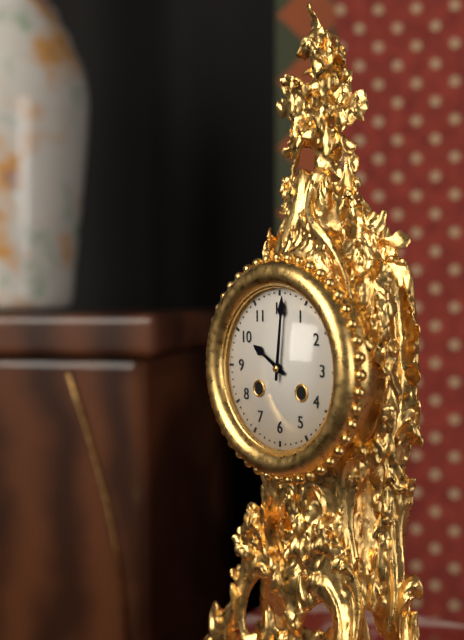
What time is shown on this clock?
10:01
